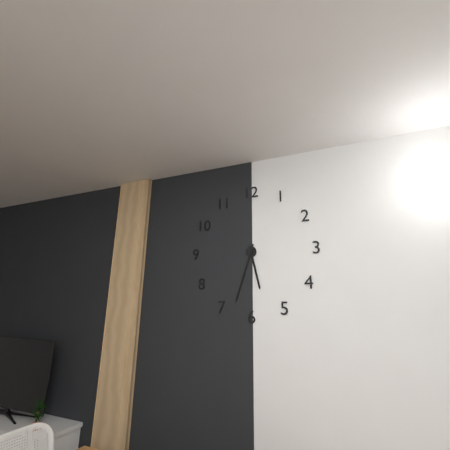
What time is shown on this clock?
5:33
